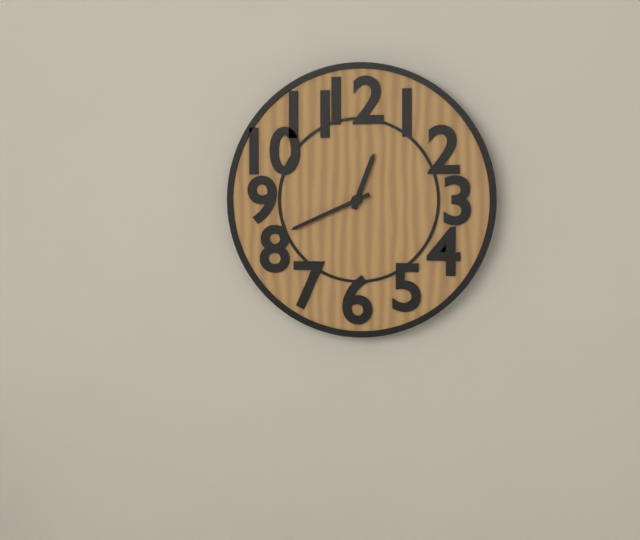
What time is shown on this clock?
12:41
